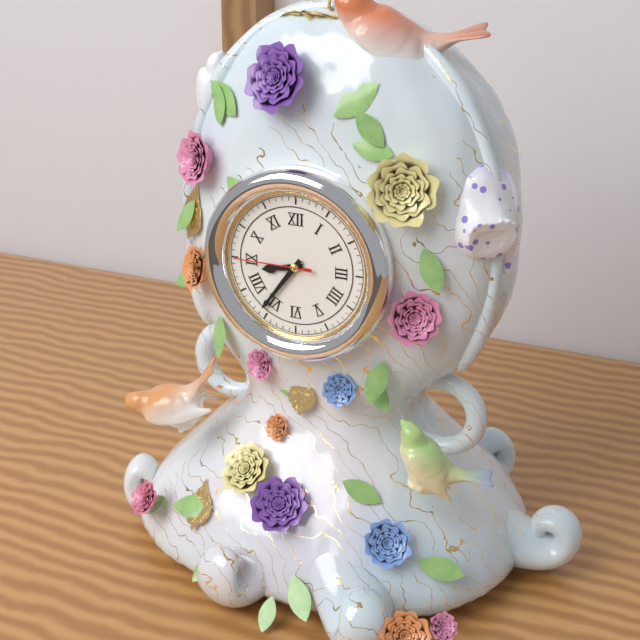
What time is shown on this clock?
8:36:45
